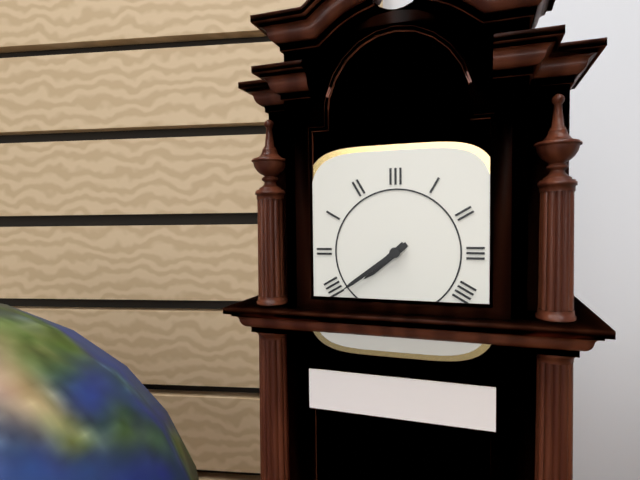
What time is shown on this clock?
7:39
